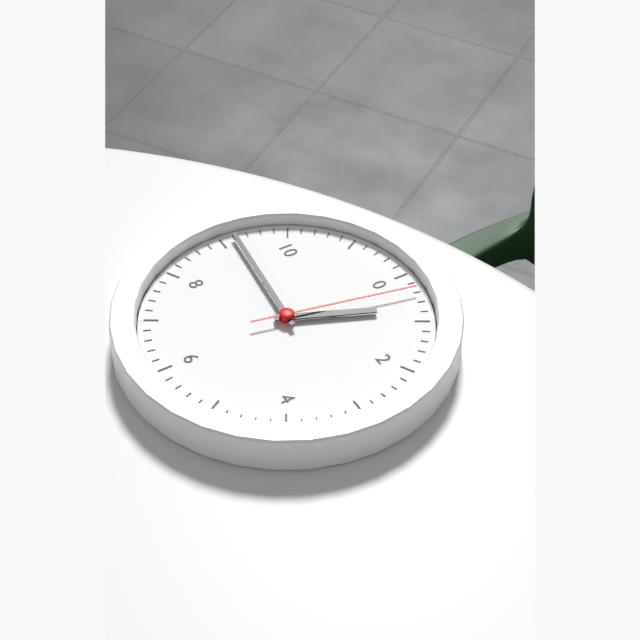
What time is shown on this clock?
12:46:02
